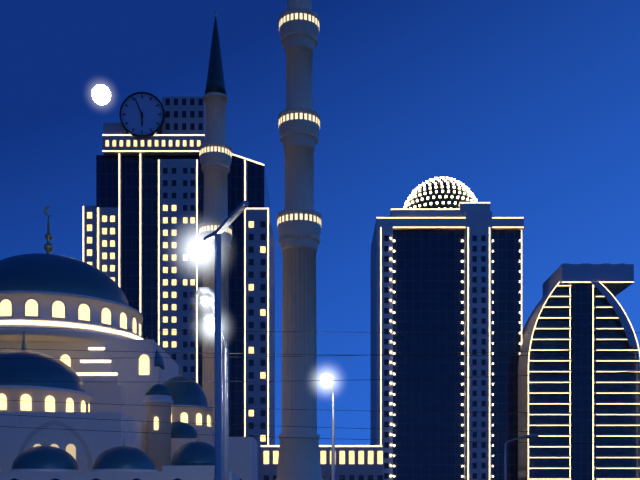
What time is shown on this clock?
5:56
